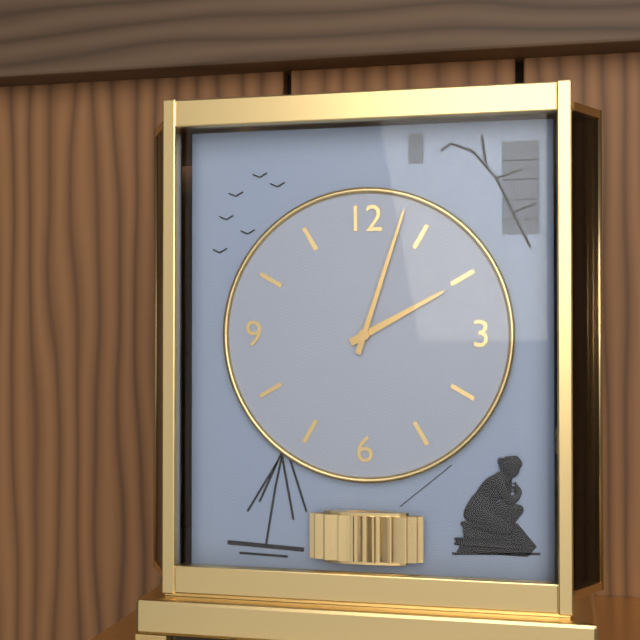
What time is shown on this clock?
2:03
